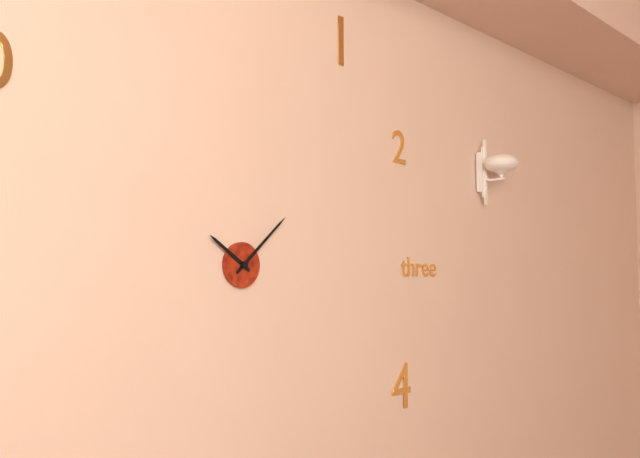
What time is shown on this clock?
10:08
